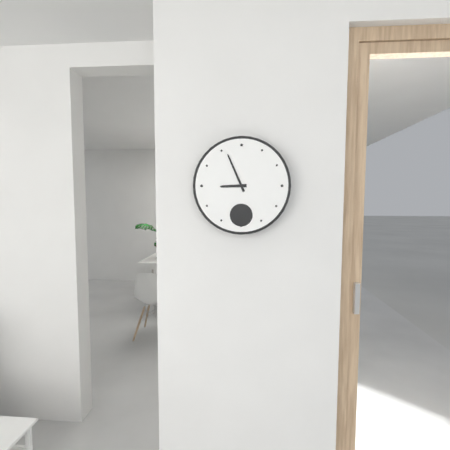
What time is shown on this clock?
8:56
